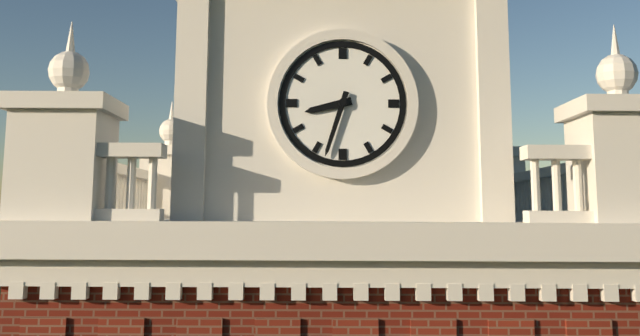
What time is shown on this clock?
8:33
